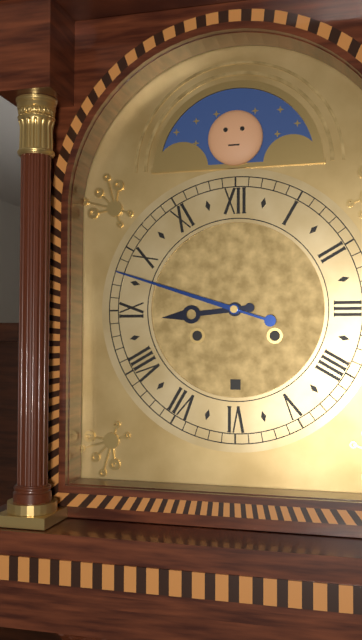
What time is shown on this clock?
8:48
